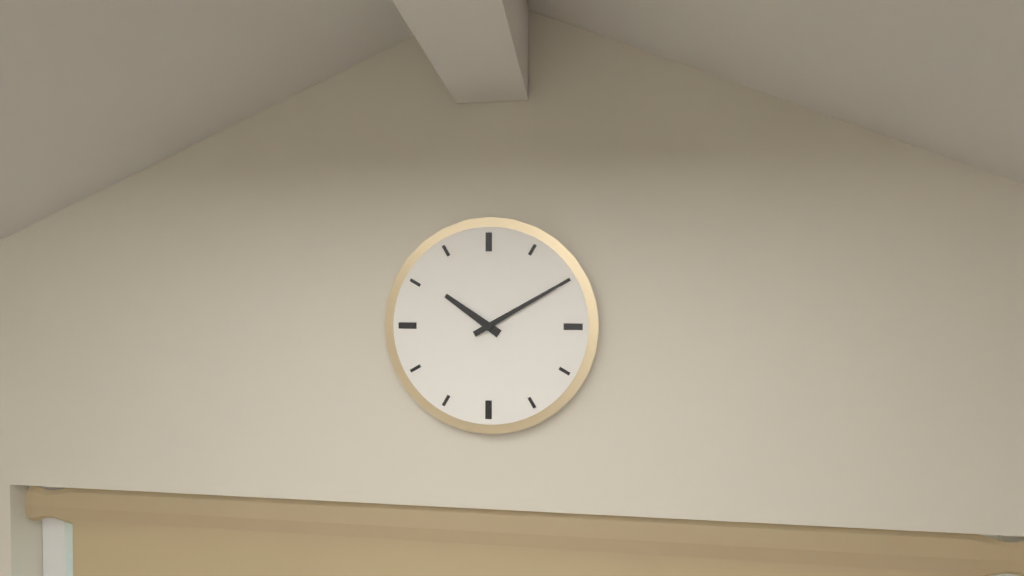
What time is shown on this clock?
10:10
